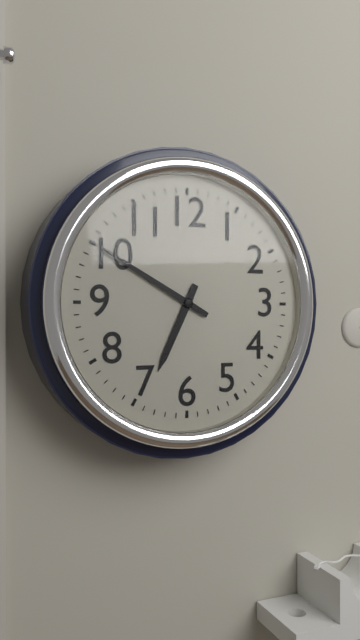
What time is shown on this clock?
6:50
